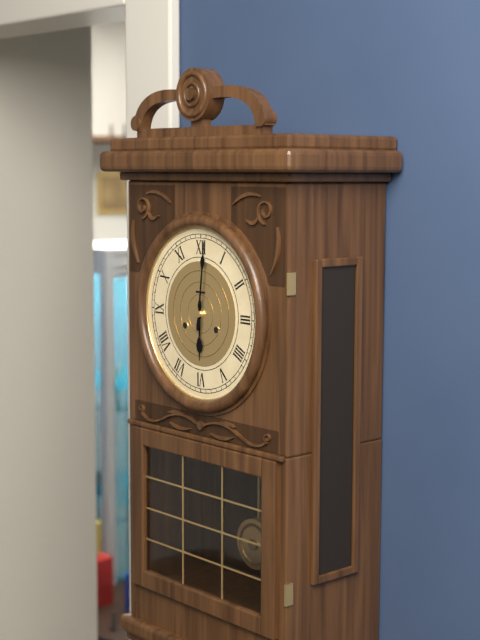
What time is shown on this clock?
6:01
